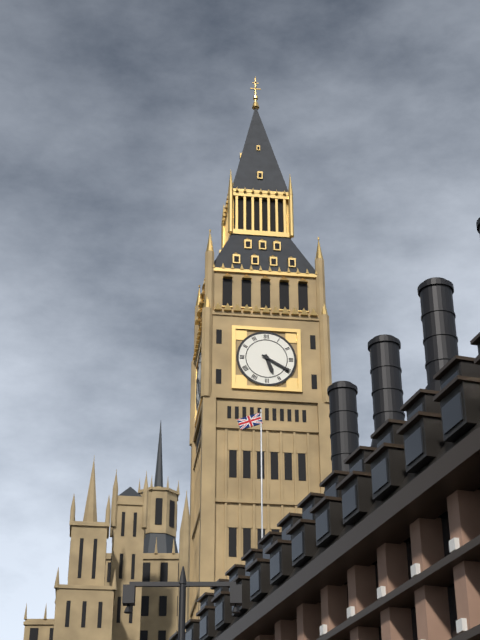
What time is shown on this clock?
5:20
